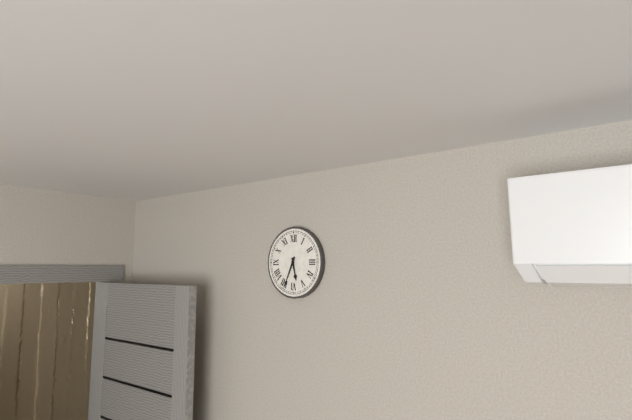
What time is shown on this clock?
5:34
